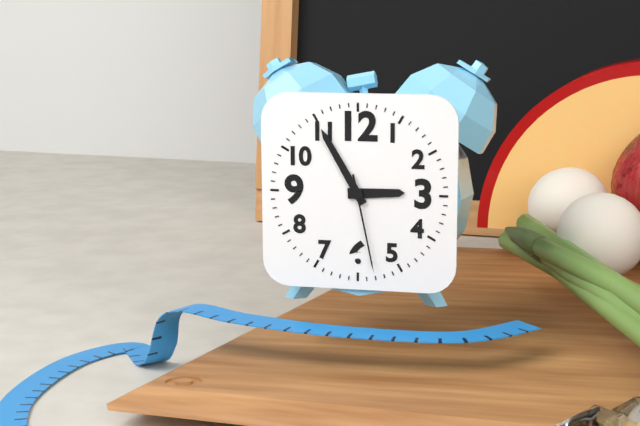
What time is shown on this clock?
2:55:28
